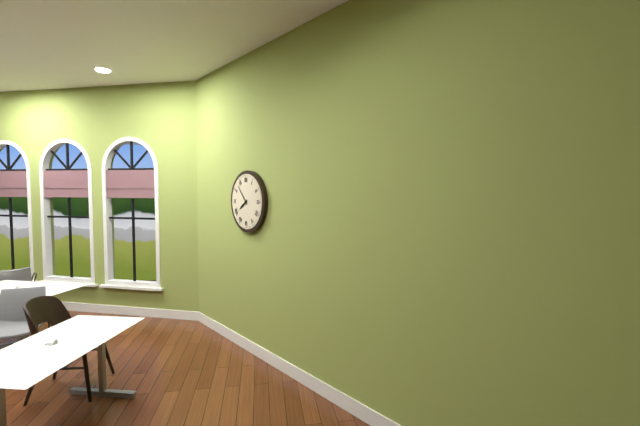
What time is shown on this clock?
7:53
